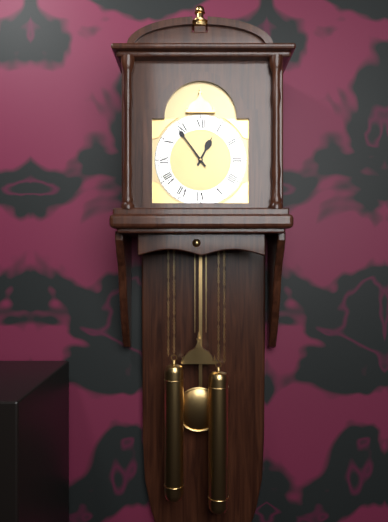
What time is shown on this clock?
12:54
